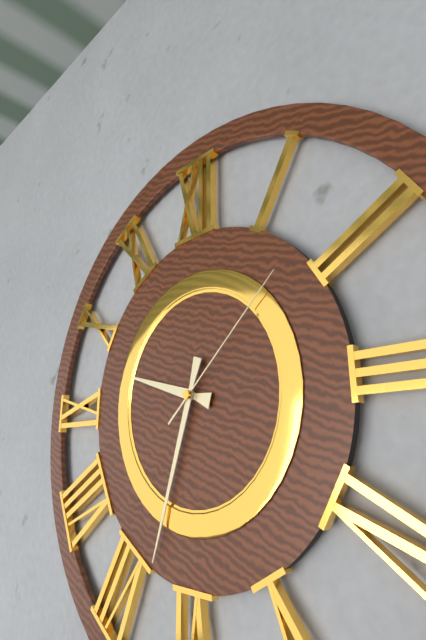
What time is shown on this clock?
9:33:08
